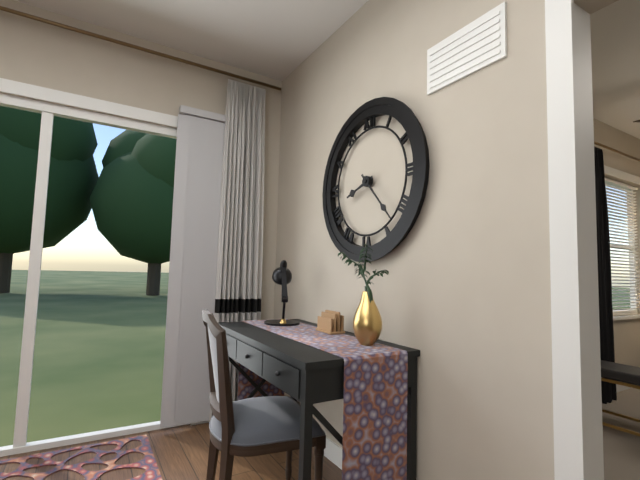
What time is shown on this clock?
8:23
